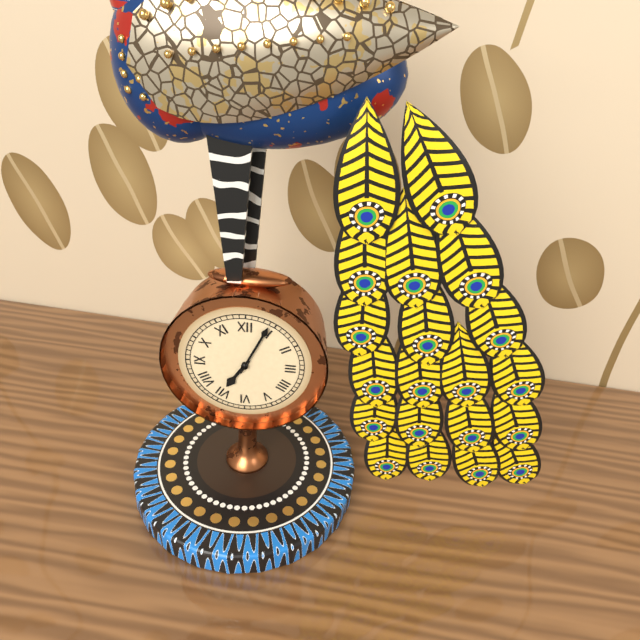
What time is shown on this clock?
7:04
